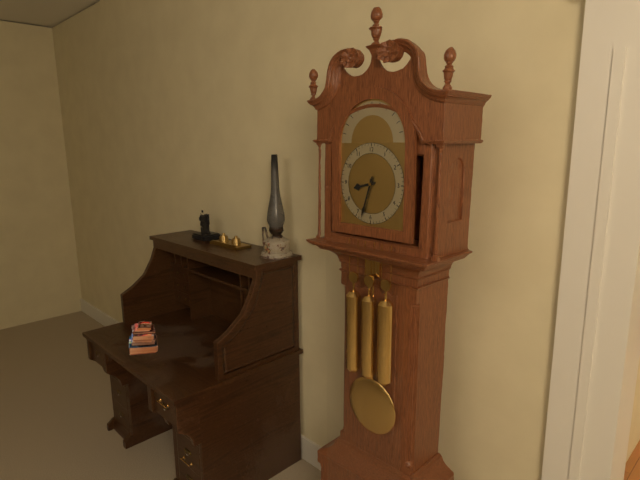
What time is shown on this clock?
8:33
